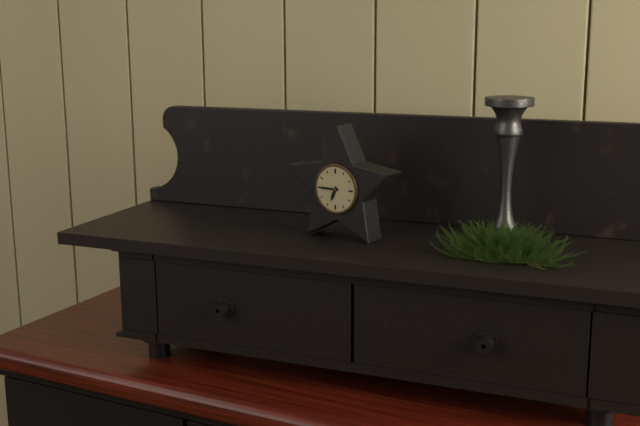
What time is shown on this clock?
6:45
